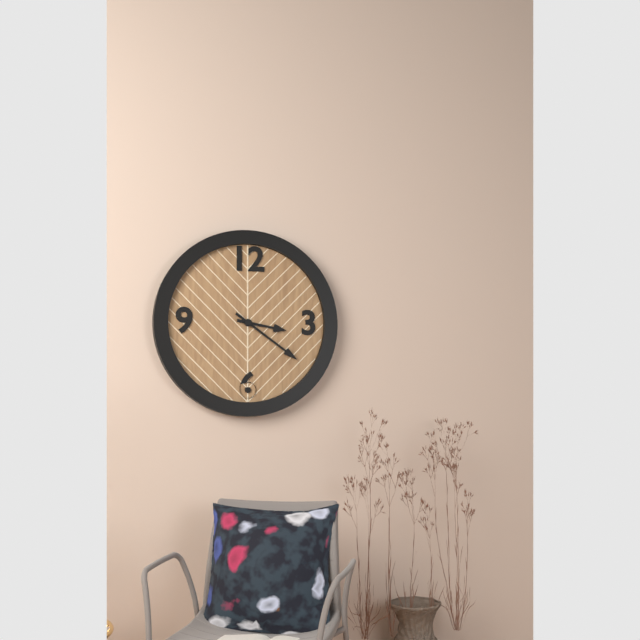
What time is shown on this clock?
3:21
